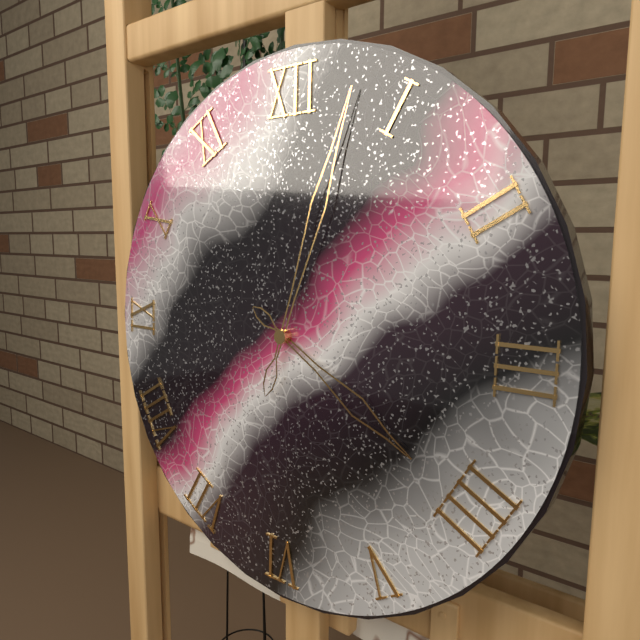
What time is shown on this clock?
4:03
